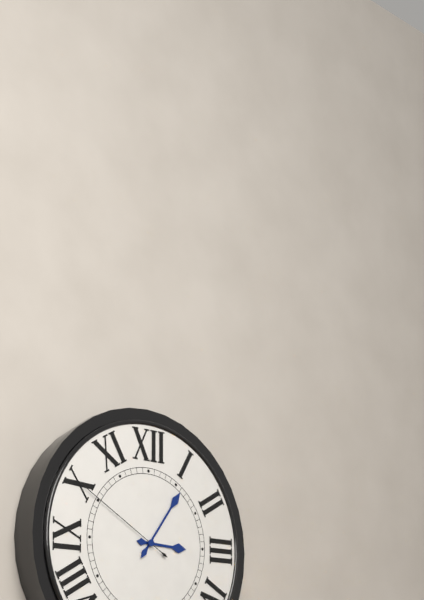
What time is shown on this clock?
3:06:50
